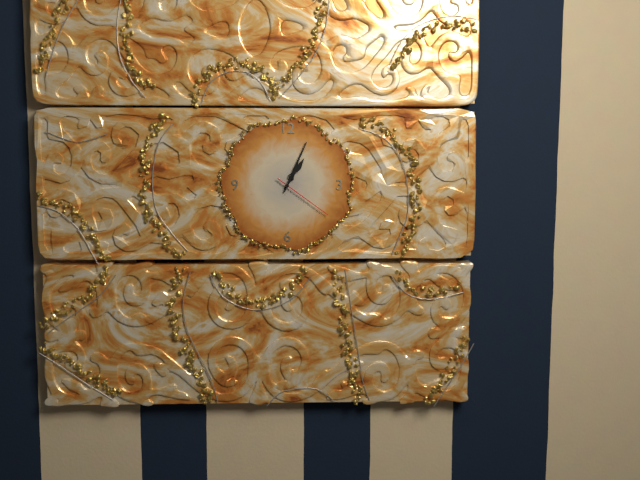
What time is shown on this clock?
1:04:21
